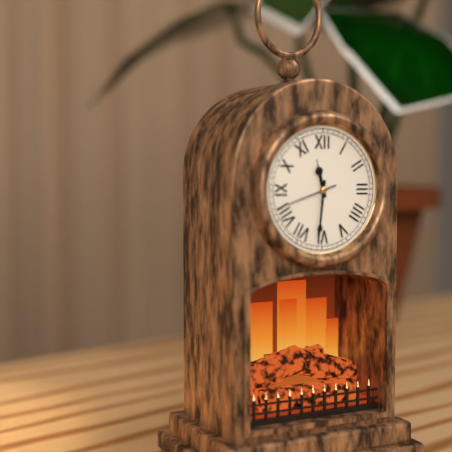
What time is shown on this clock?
11:31
